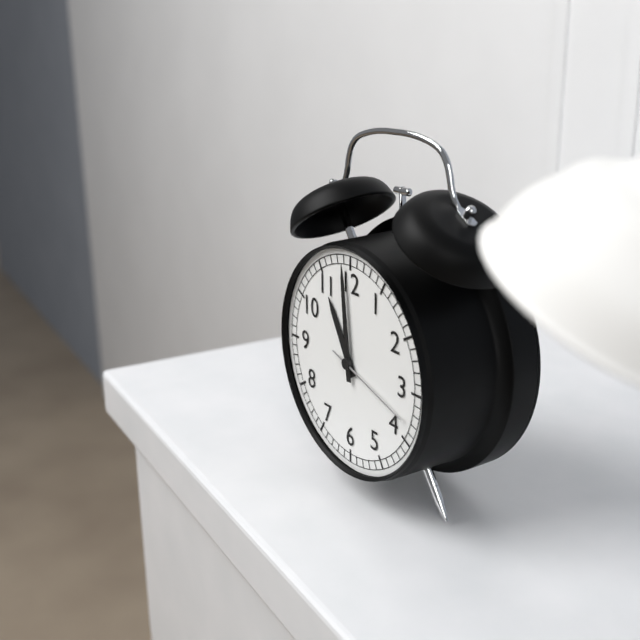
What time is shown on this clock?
10:59:18
